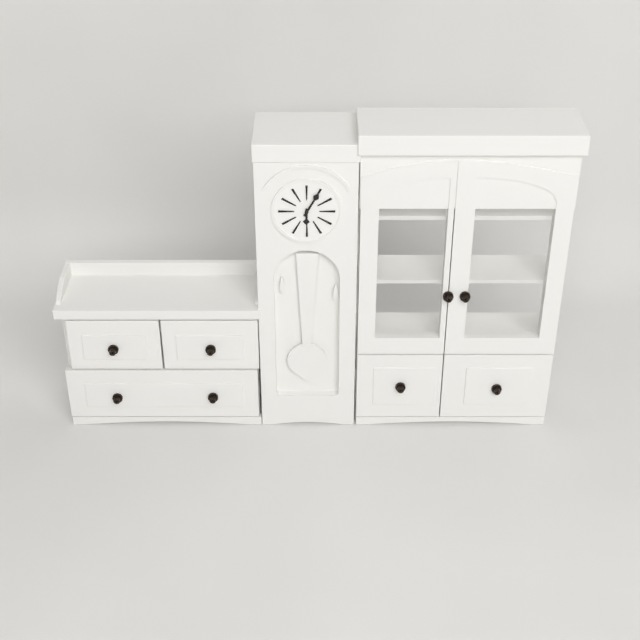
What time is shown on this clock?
6:05
